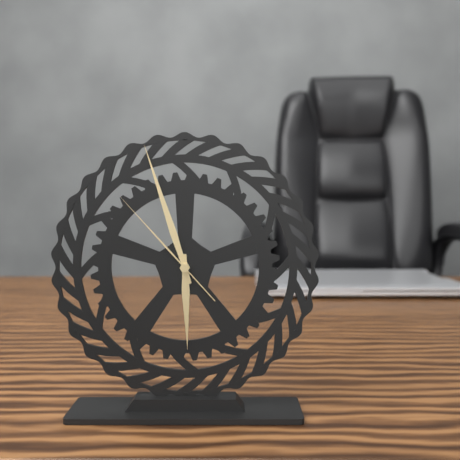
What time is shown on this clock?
5:57:53
